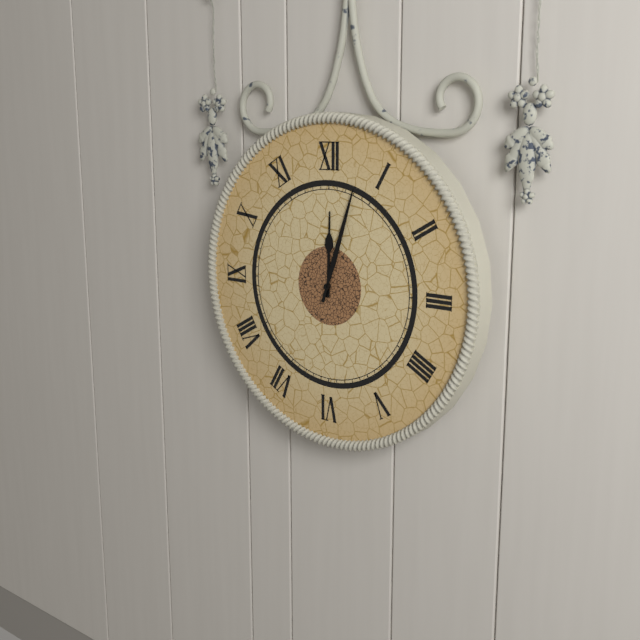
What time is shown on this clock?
12:03
